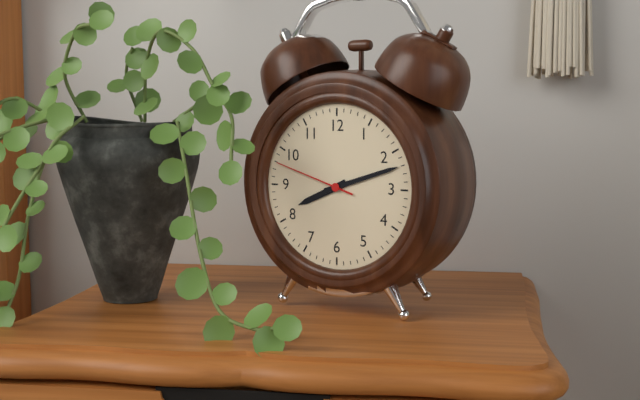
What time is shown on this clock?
8:12:48
